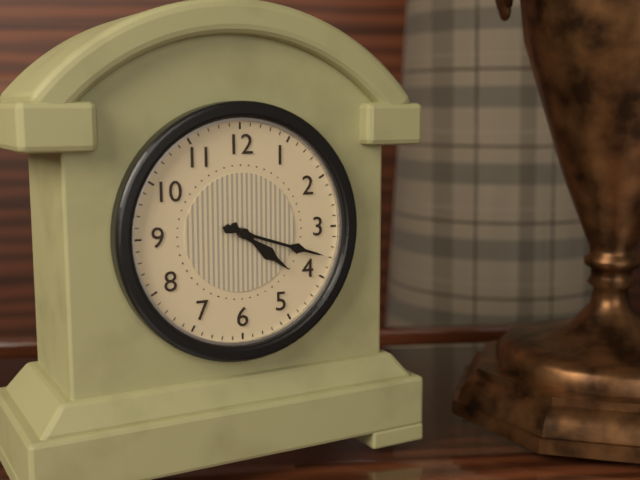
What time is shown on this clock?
4:18
